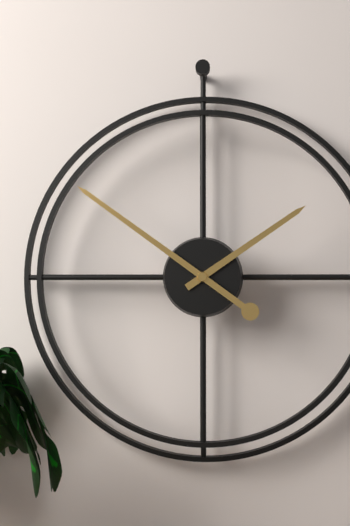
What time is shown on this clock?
1:51
